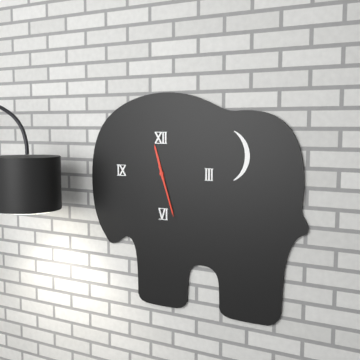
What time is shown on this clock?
11:27
